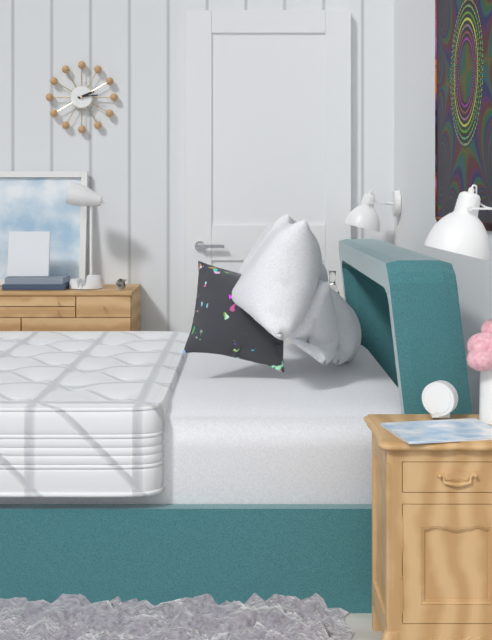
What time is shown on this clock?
2:14
